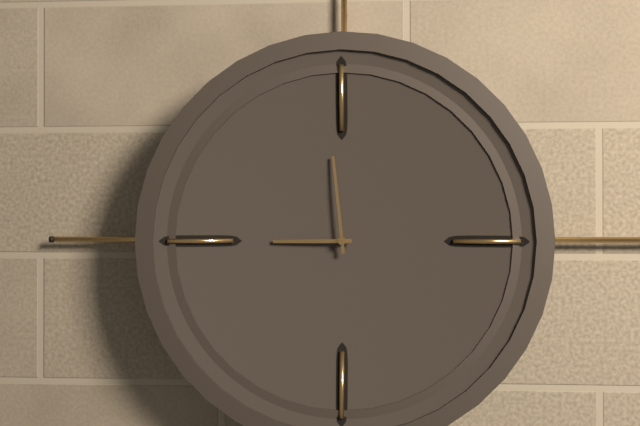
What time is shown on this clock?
8:59
